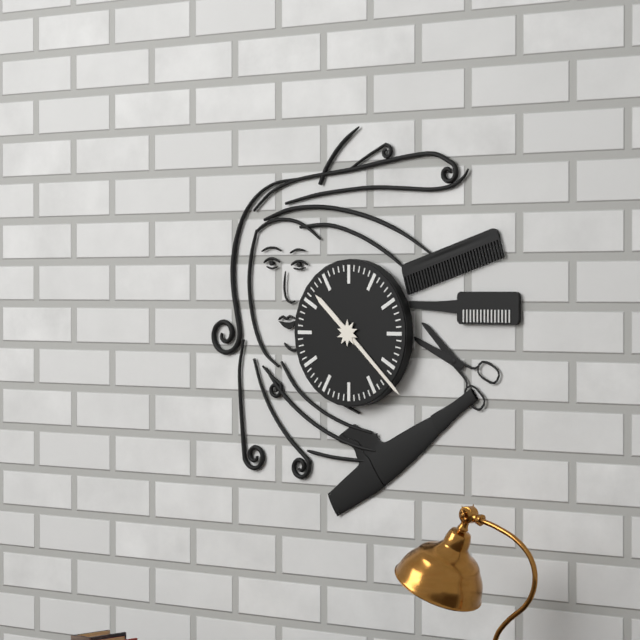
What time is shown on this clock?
10:22
